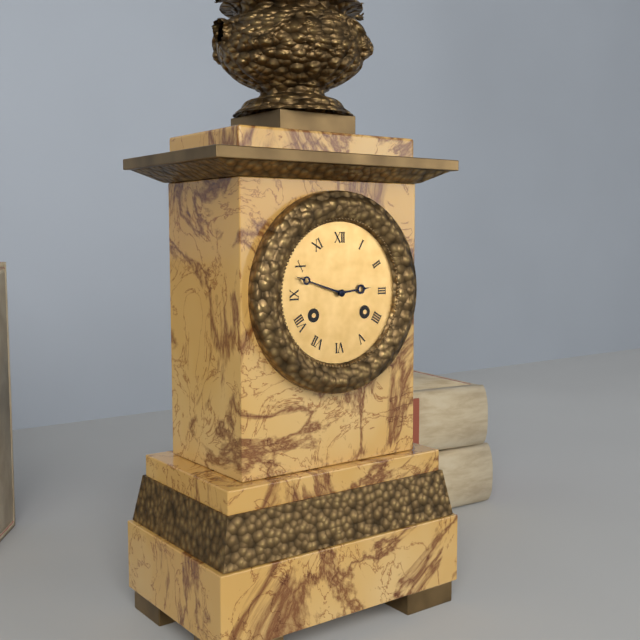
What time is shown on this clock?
2:48
